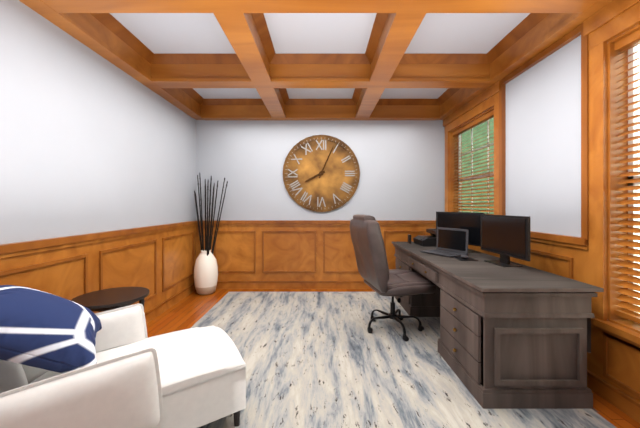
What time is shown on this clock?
8:04
